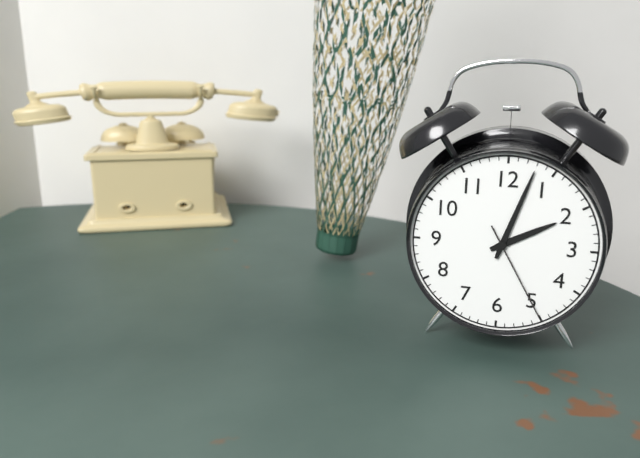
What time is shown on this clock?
2:03:25
